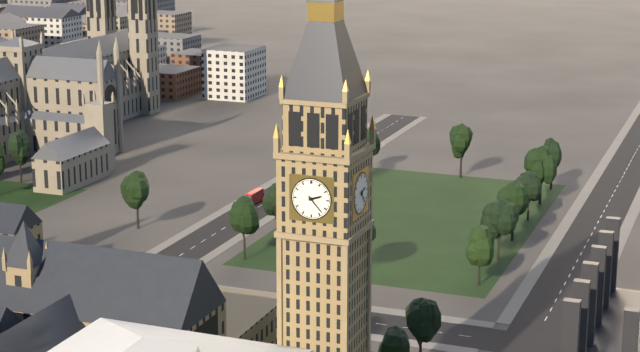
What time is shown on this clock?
2:23
